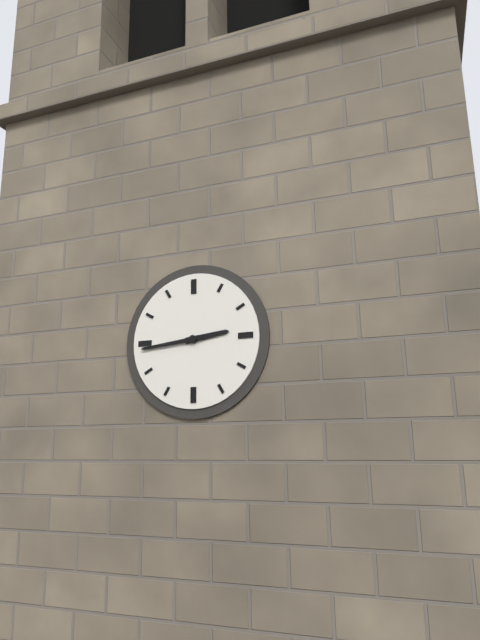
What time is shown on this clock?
2:44
